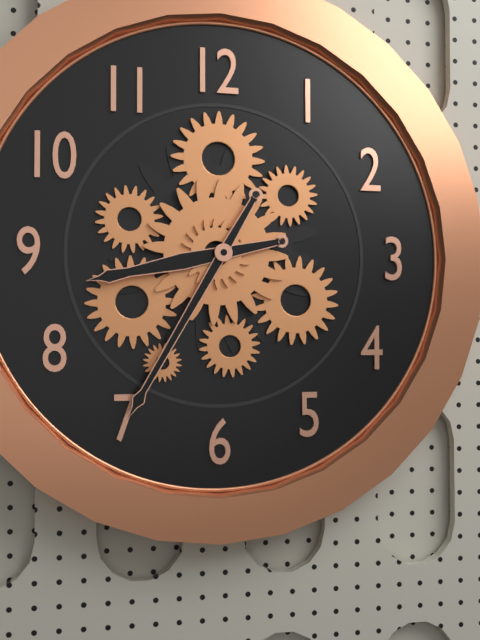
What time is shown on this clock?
8:35
